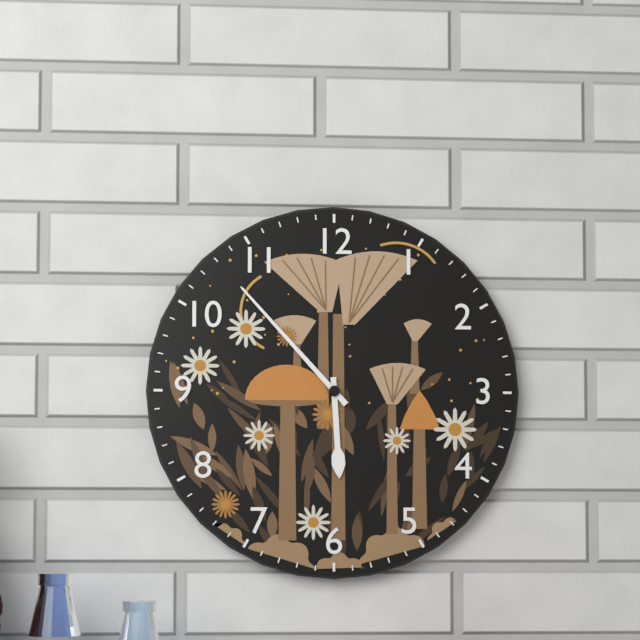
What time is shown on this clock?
5:53
